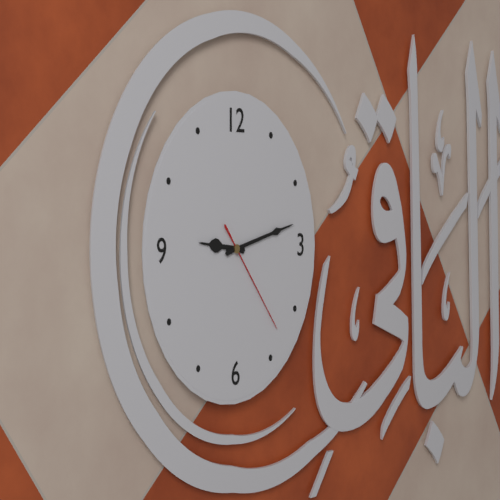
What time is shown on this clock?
9:13:23
